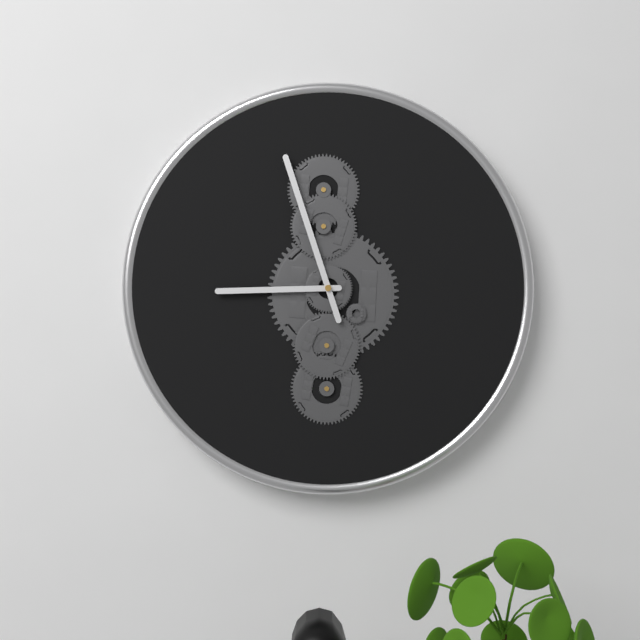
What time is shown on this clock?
8:57
